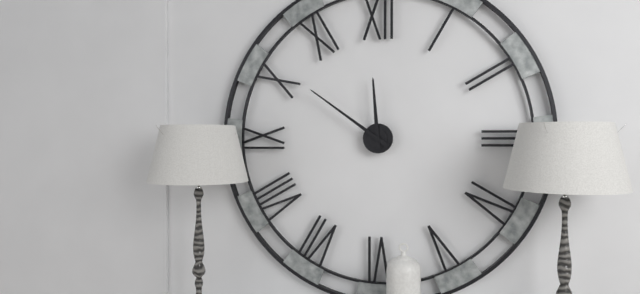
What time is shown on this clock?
11:51
